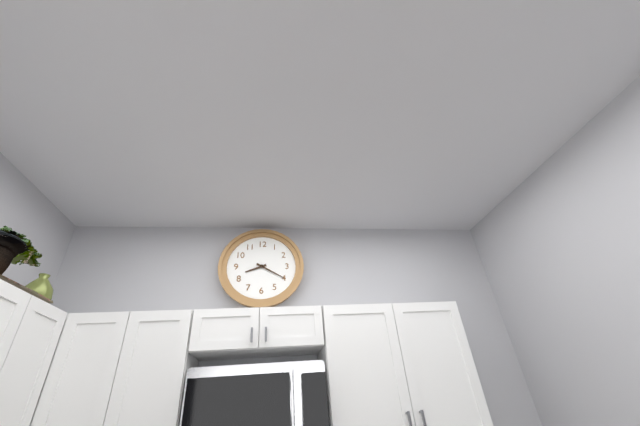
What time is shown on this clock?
8:20
